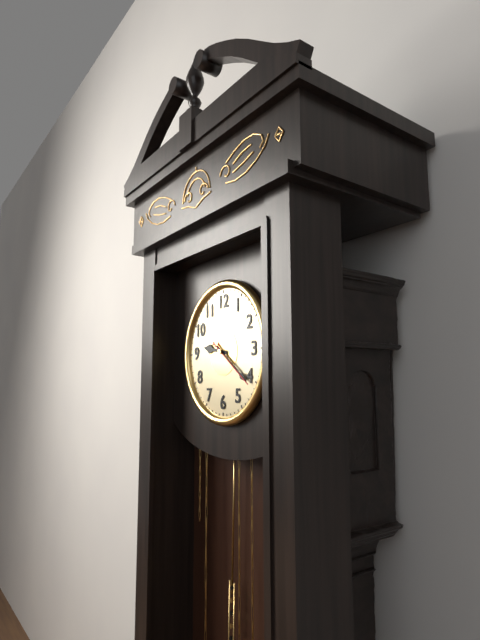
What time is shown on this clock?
9:21:21
